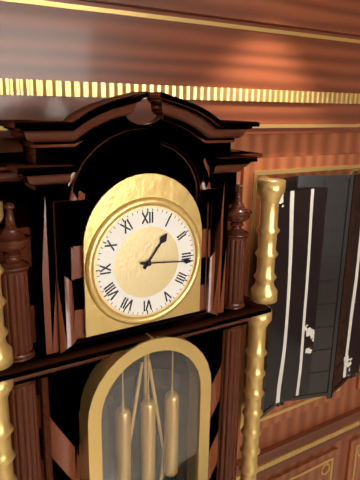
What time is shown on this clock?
1:16
